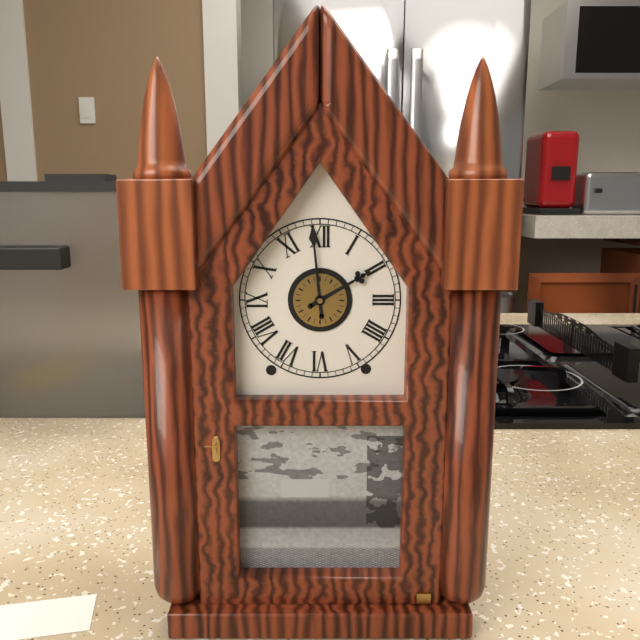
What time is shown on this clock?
1:59
